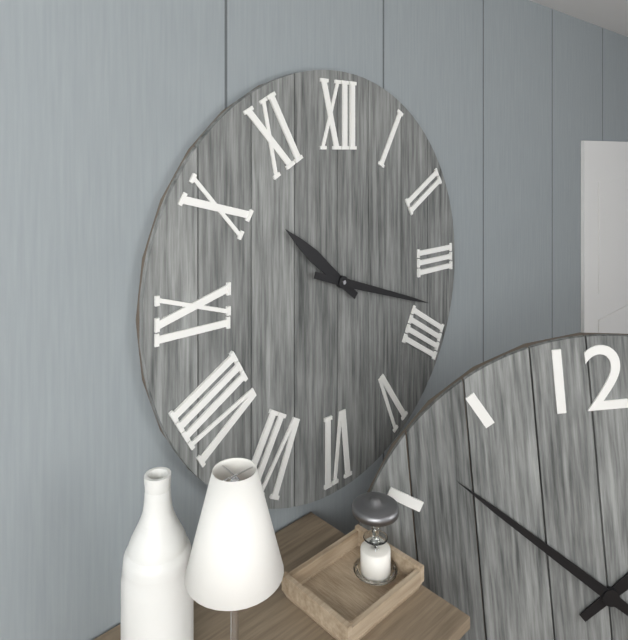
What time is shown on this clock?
10:18
